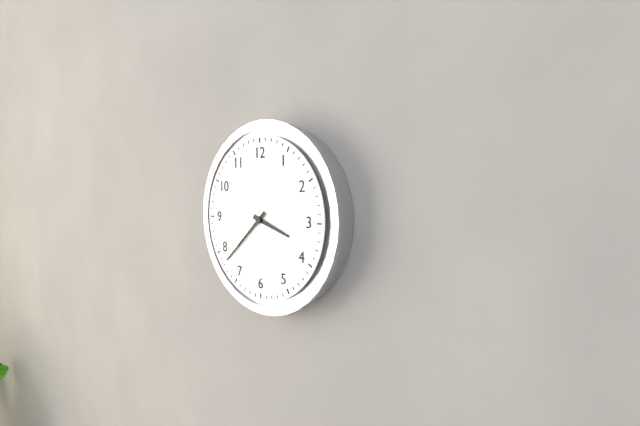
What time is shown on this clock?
3:38
